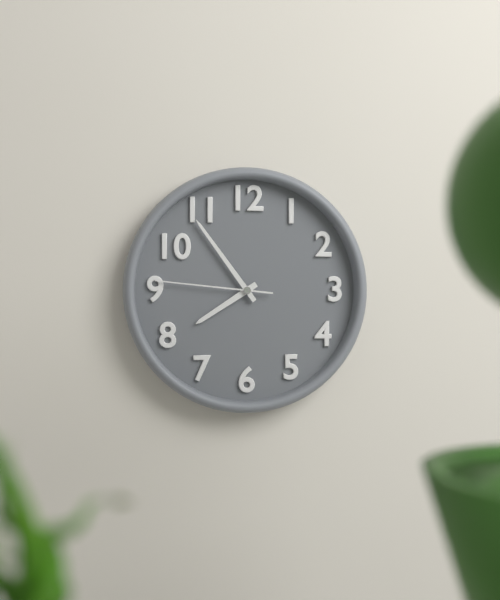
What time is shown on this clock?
7:54:46
